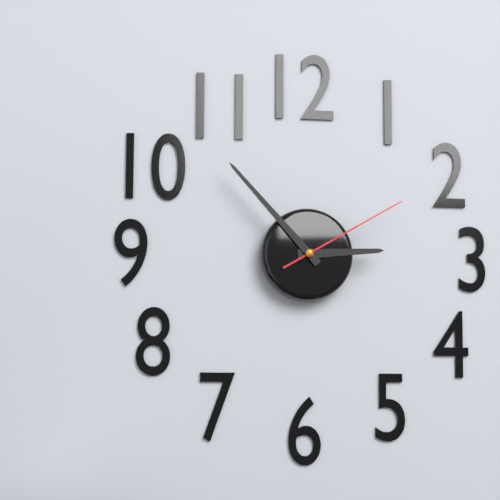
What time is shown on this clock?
2:53:10
